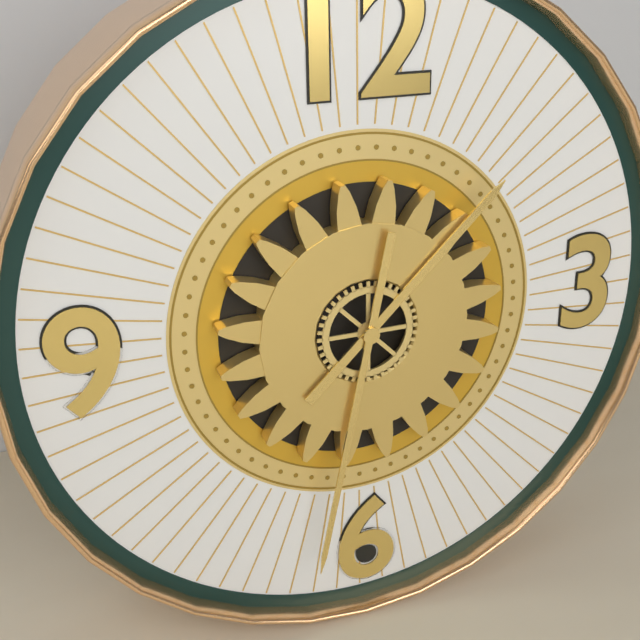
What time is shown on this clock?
1:32
